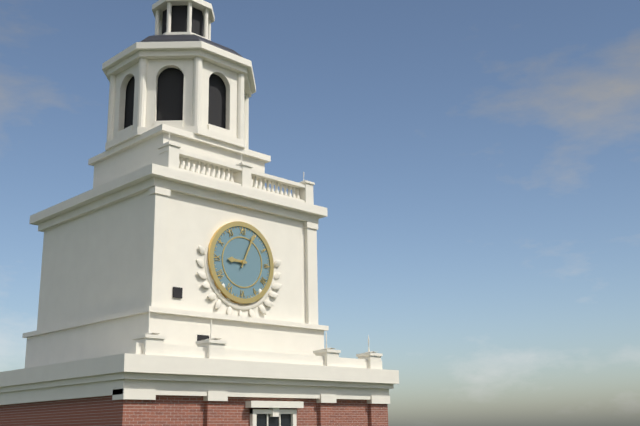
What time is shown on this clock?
9:04
